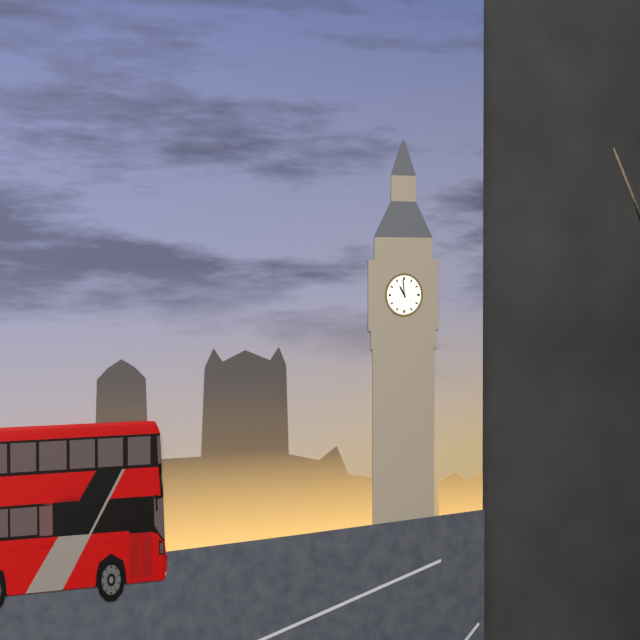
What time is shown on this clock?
10:59
